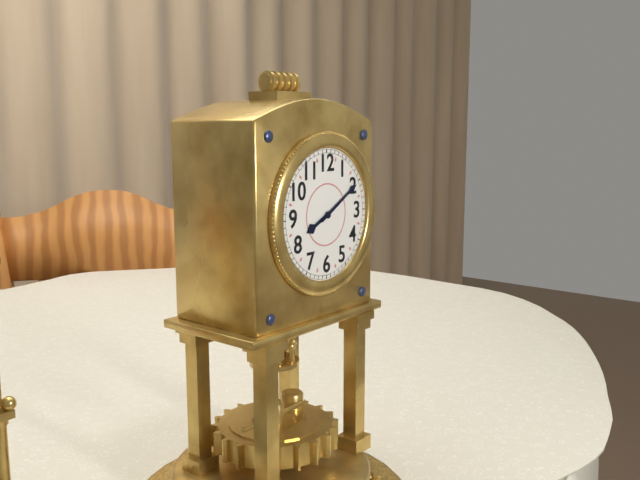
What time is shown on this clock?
8:10
